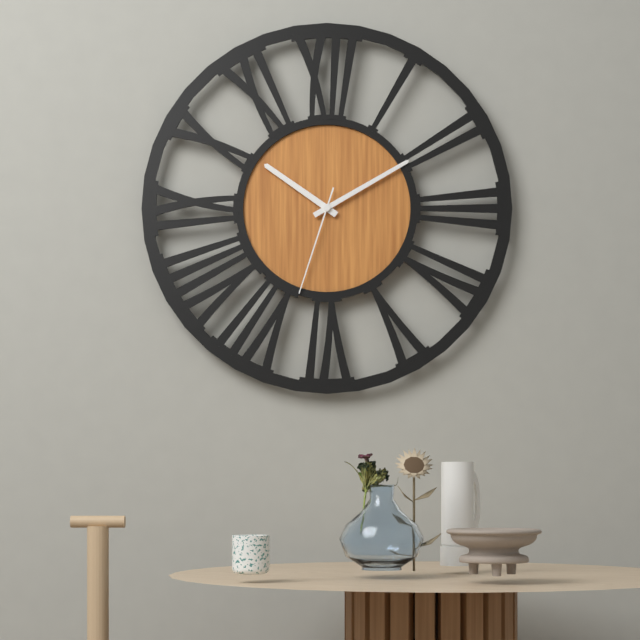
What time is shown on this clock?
10:10:33
